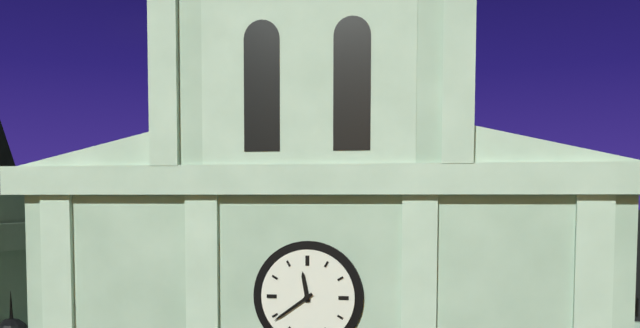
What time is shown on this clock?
11:39
